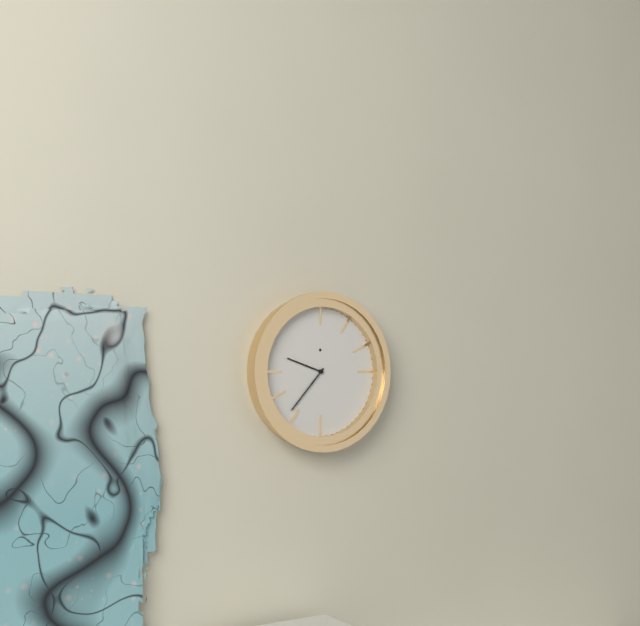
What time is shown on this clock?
9:37
